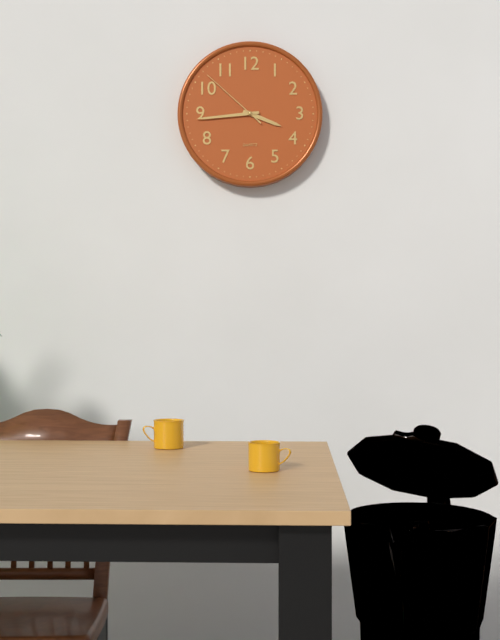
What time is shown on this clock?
3:44:52
